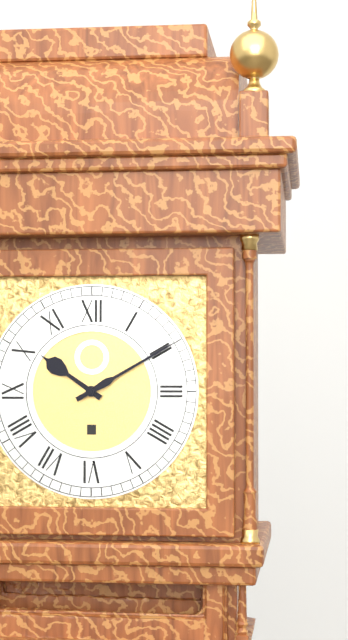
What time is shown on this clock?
10:10
